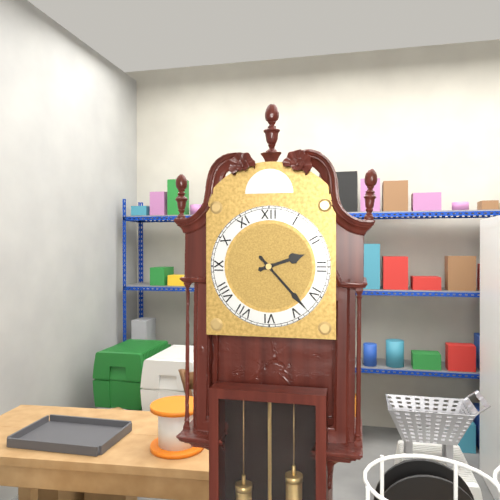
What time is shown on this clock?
2:23
